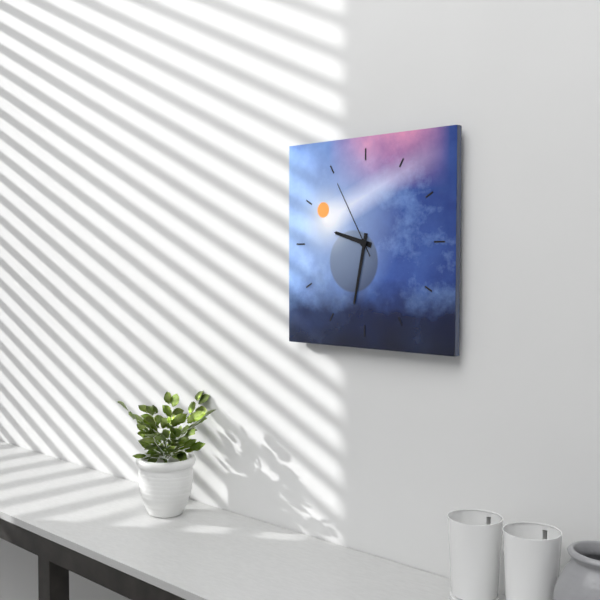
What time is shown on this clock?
9:32:55
